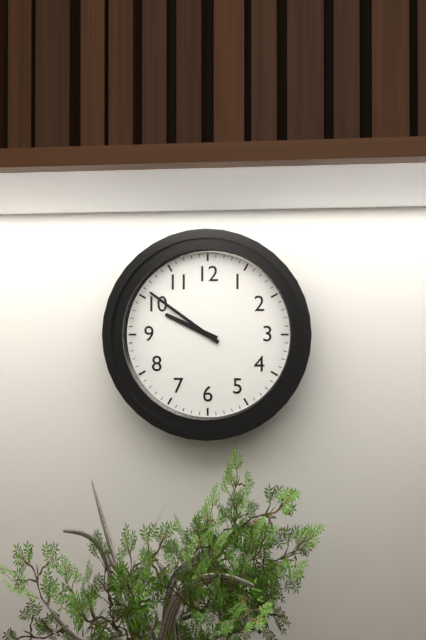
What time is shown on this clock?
9:51
